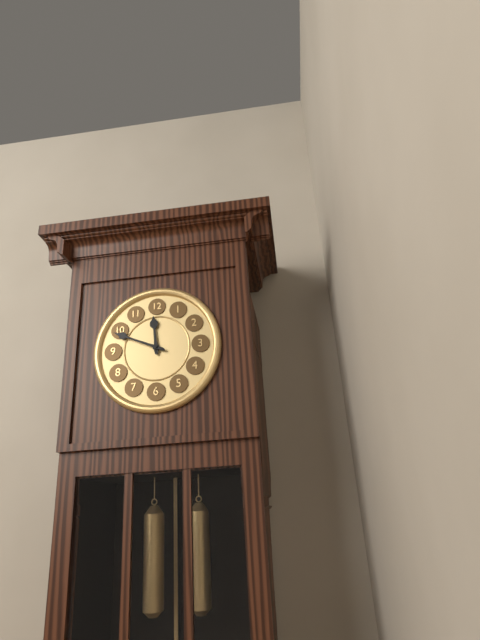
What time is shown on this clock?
11:49
